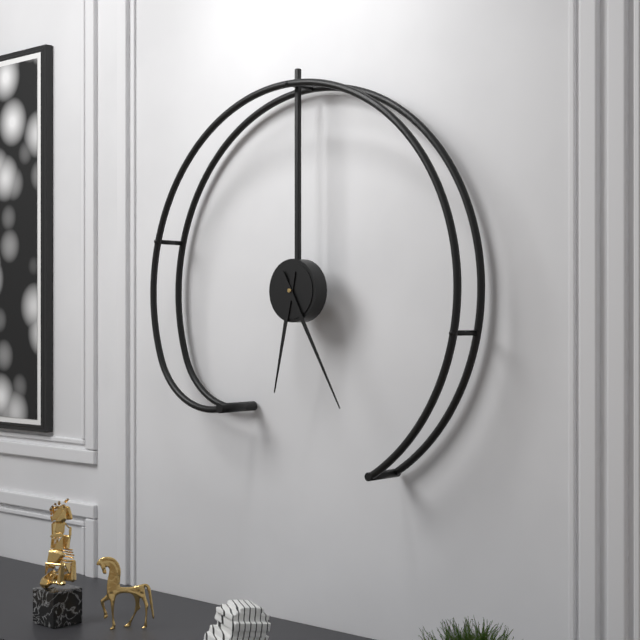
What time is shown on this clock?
6:25
